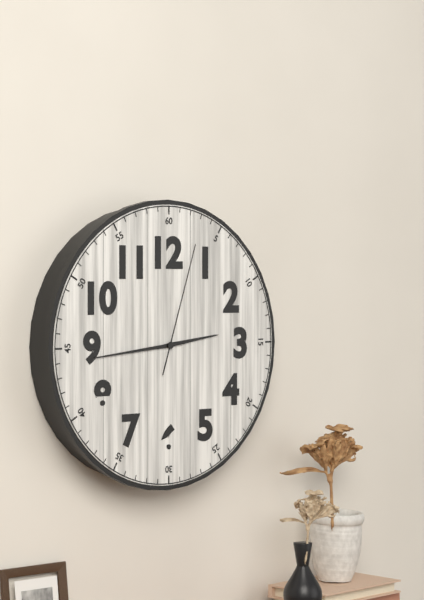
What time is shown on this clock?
2:44:03
